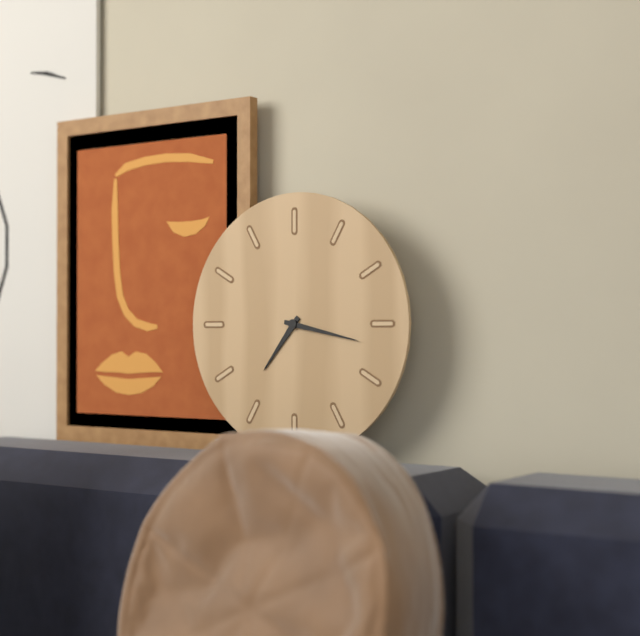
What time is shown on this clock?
7:17
